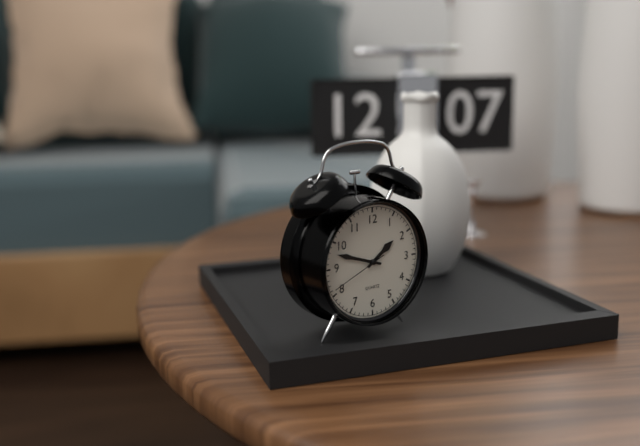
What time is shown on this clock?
1:48:41
